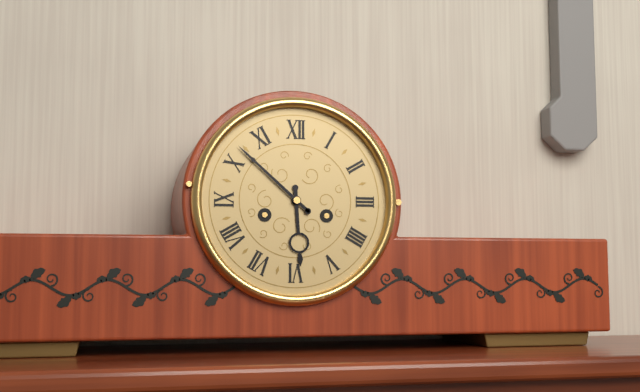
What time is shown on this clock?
5:52
